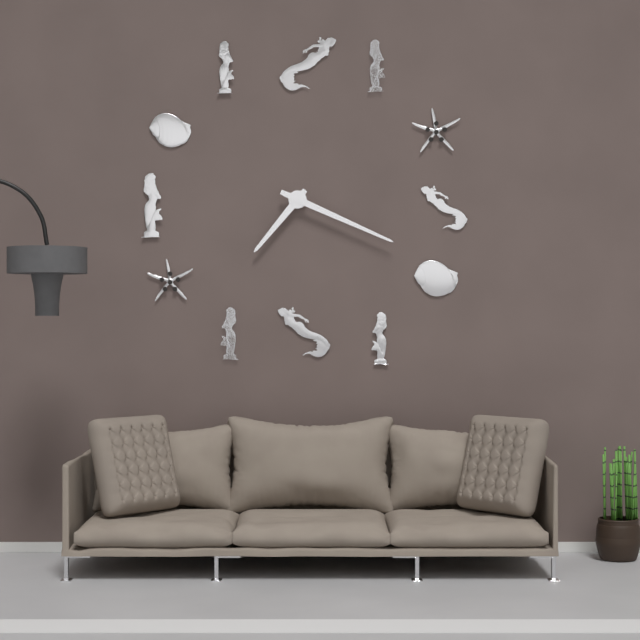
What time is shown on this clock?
7:19
